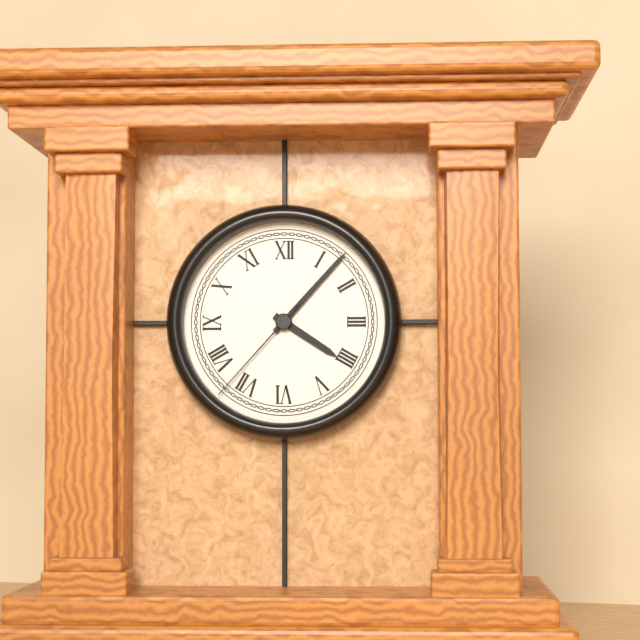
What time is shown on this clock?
4:07:37
